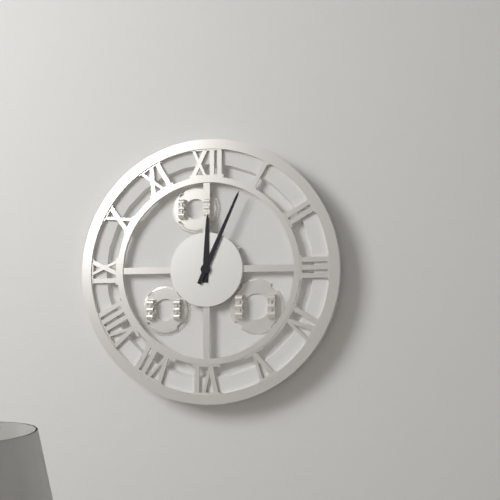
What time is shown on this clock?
12:04
